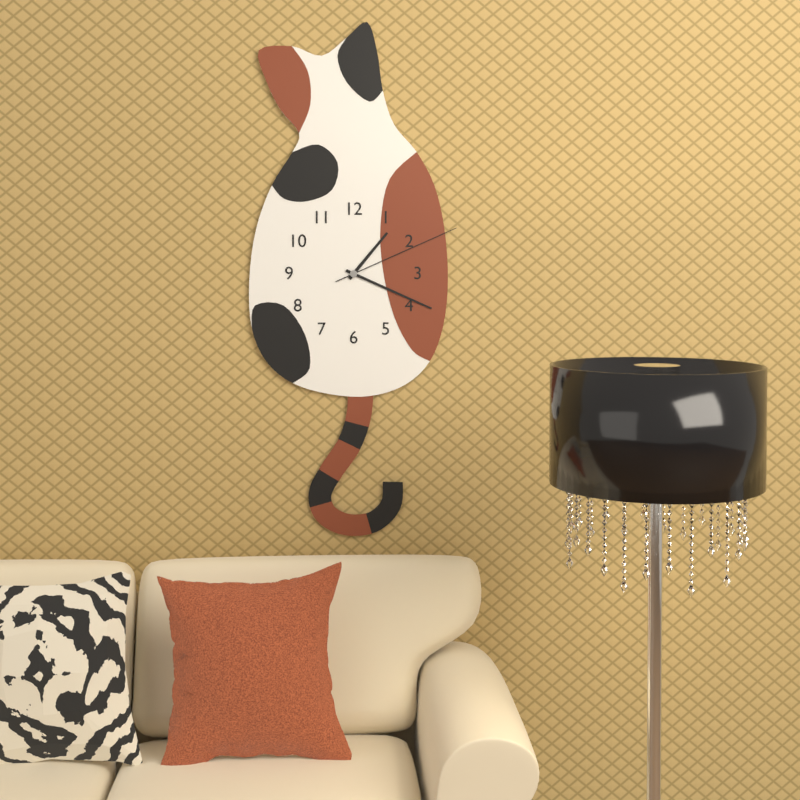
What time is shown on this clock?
1:19:11
